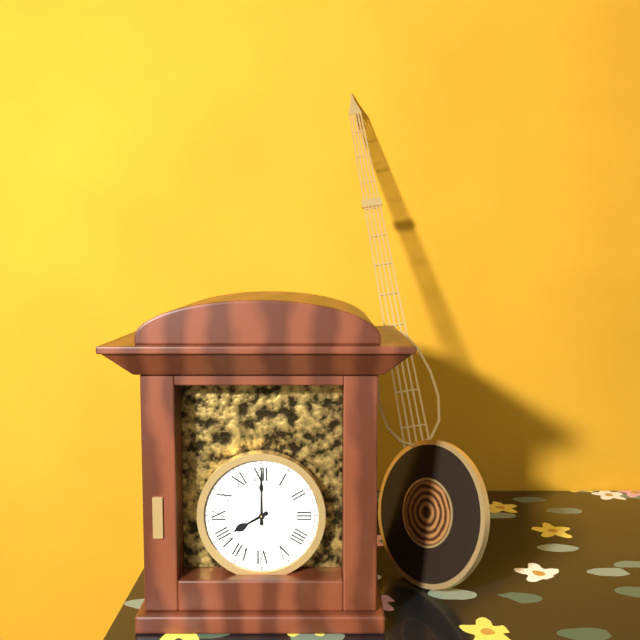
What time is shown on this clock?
8:00
